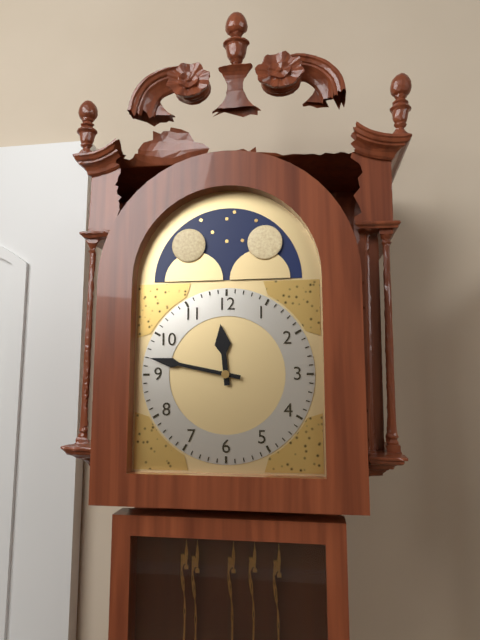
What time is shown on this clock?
11:47
